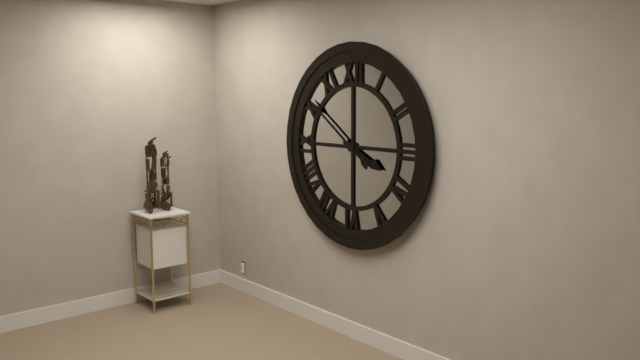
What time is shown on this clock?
3:51
